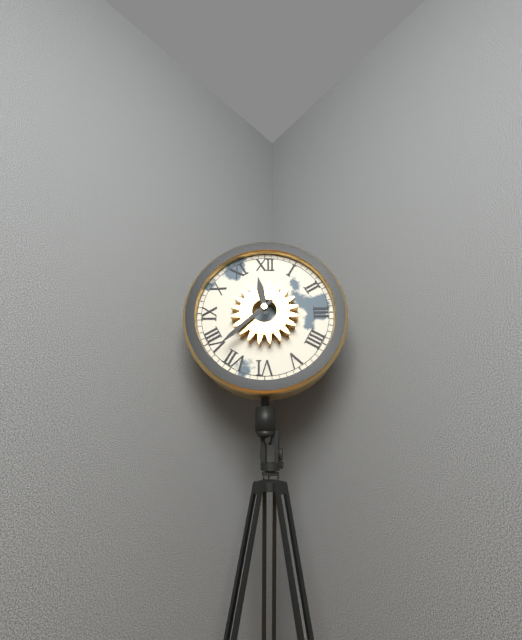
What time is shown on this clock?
11:38
